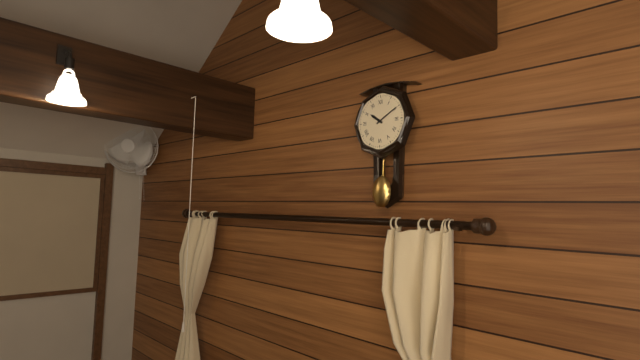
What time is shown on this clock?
10:10
